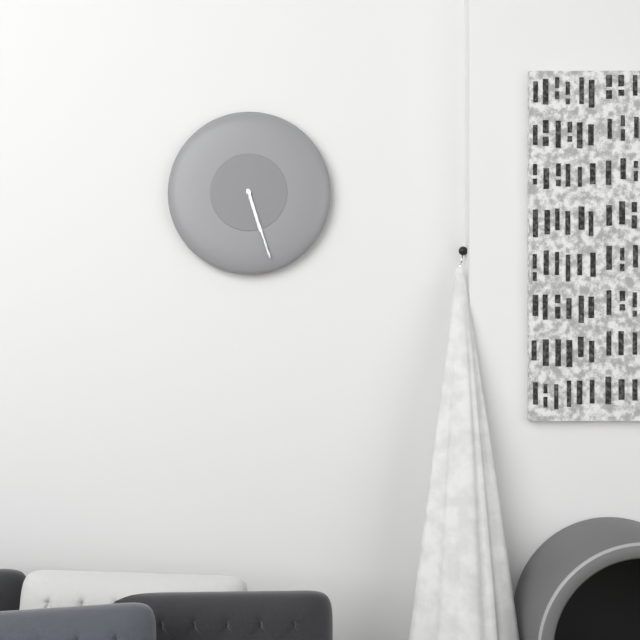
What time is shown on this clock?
5:27
